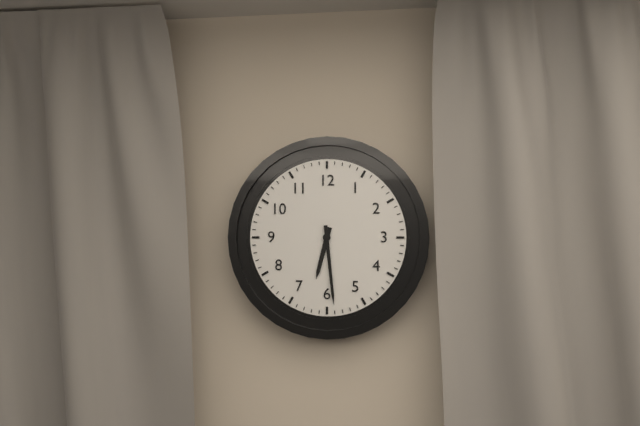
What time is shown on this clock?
6:29
